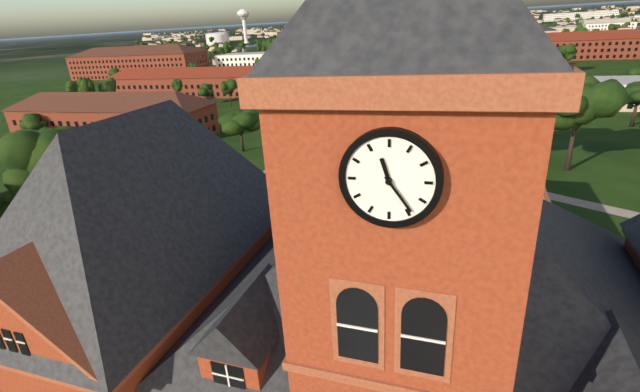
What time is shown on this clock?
11:24
